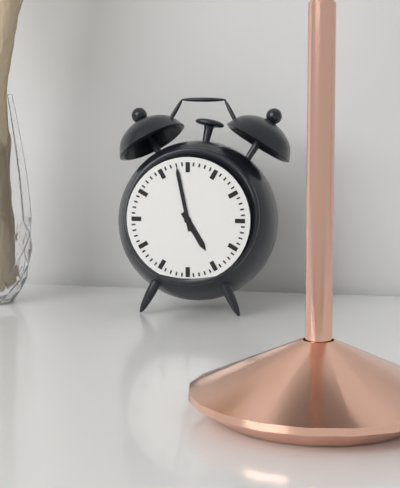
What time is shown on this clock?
4:58
